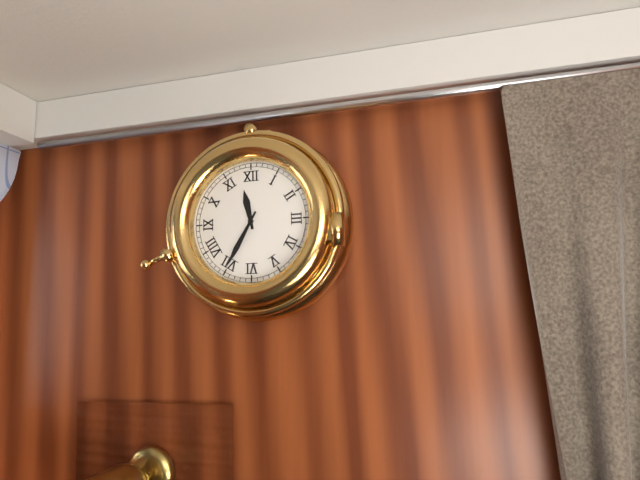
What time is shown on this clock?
11:35
